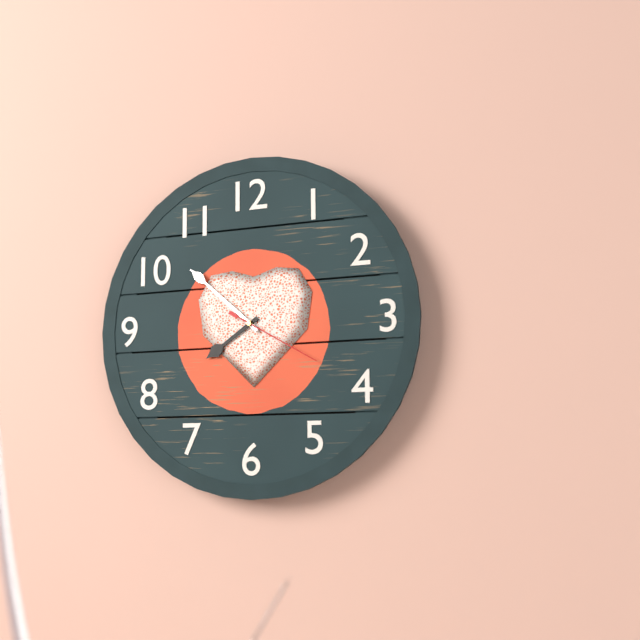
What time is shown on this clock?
7:52:20
